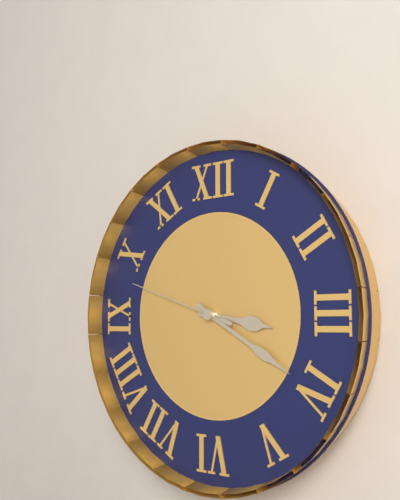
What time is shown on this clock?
3:20:48
